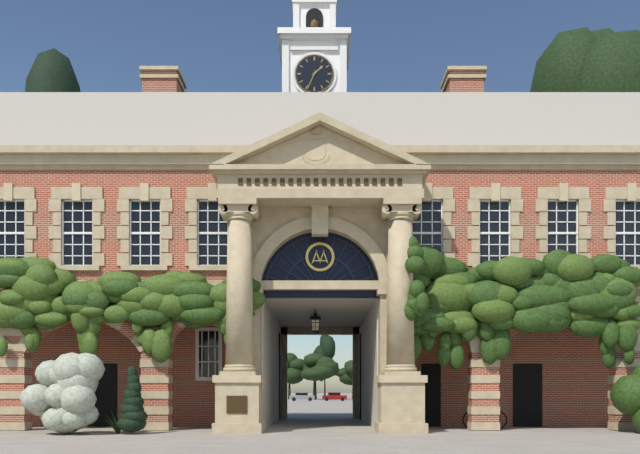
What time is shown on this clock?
1:34
